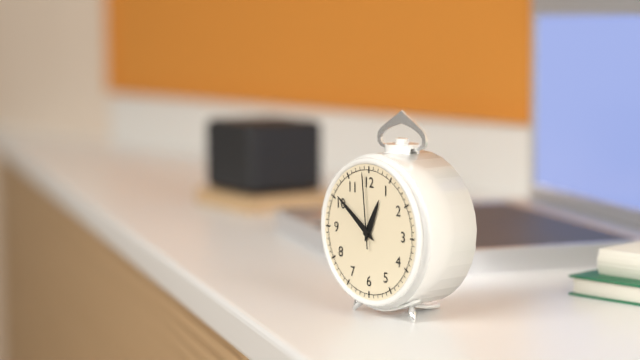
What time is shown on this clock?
12:51:59
